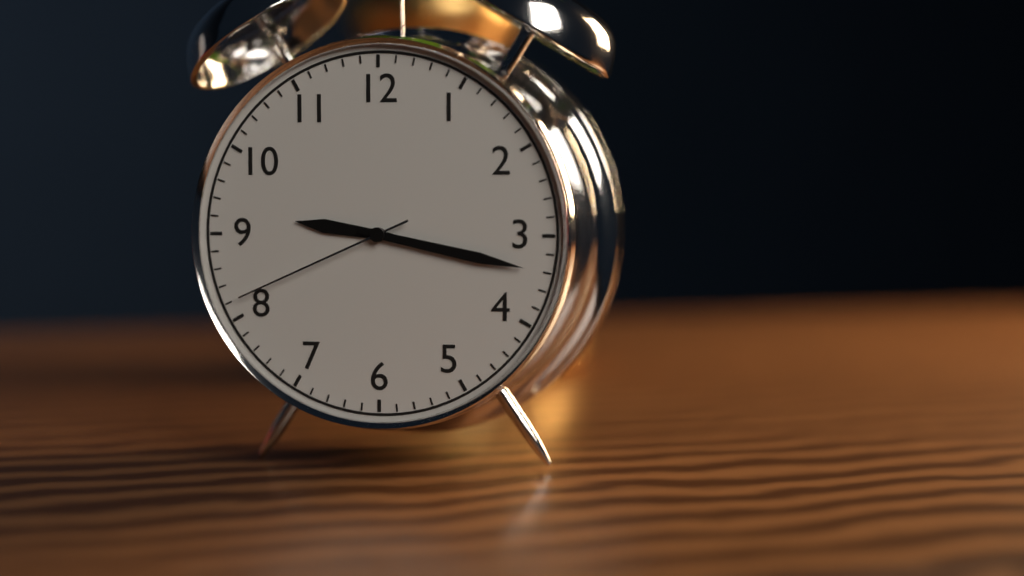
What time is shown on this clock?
9:17:41
